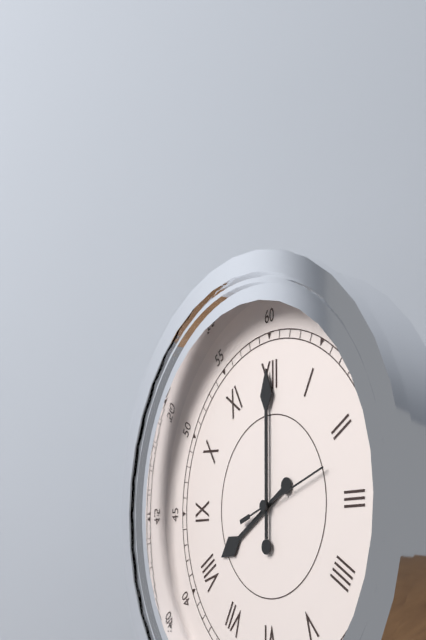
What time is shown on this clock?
8:00:12
